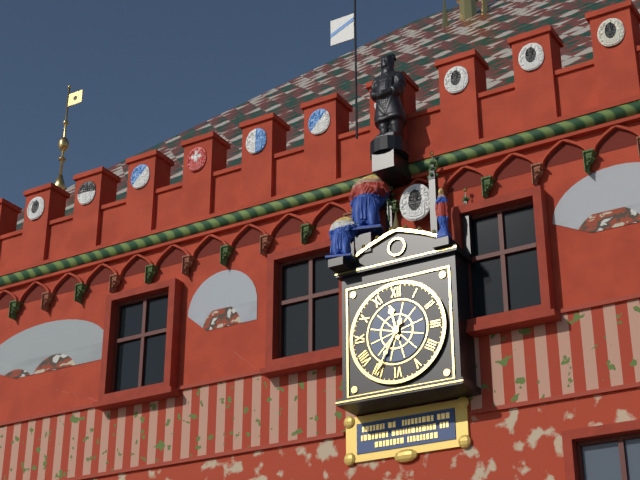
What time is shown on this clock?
11:35
